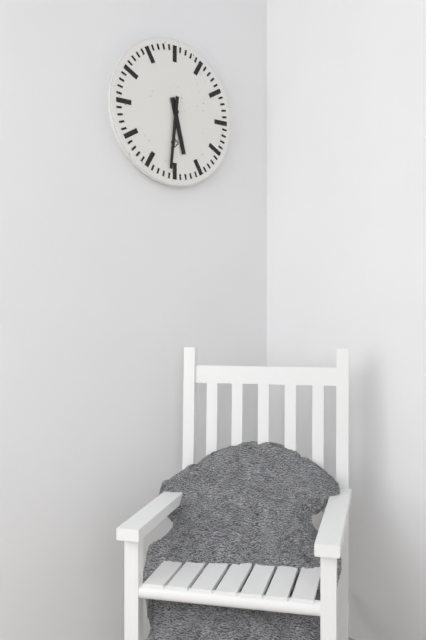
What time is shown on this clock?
5:31
